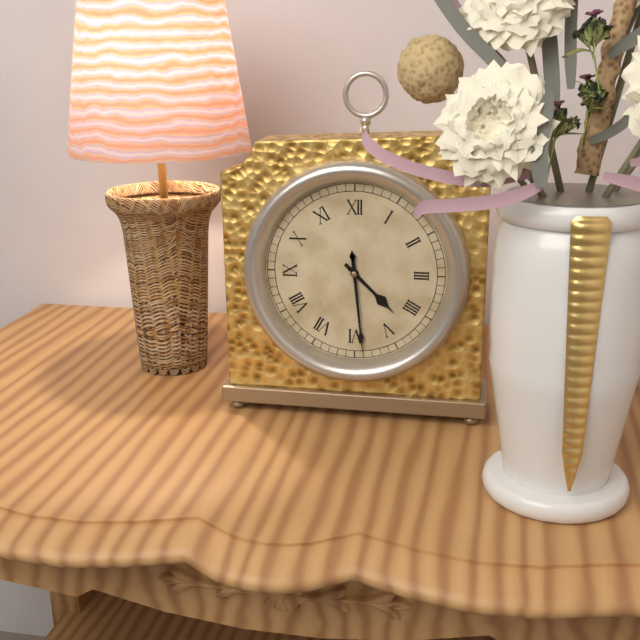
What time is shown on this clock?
4:29
